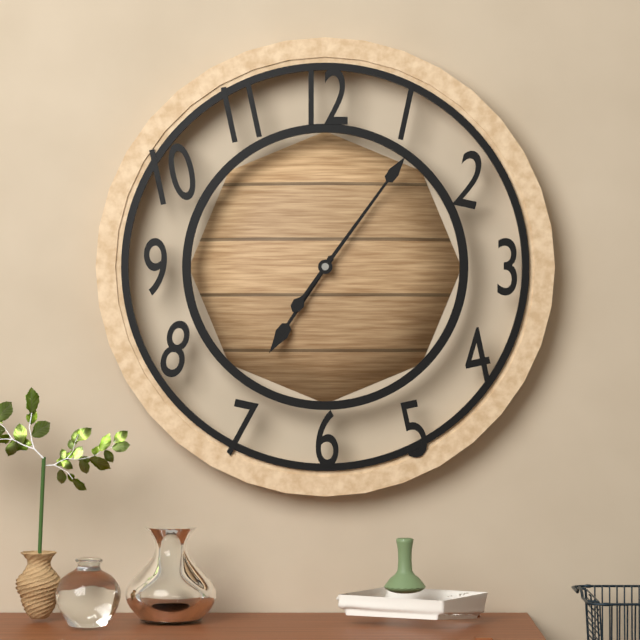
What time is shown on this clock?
7:06
